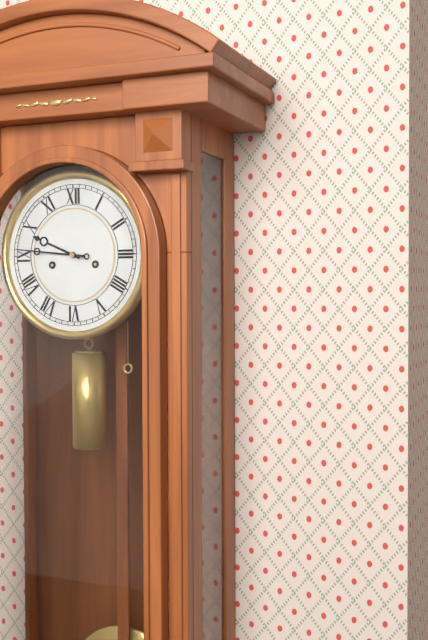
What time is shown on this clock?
9:46
